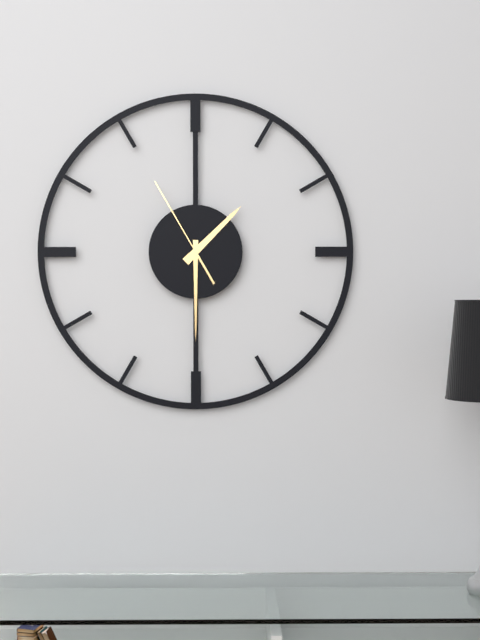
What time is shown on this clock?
1:30:55
